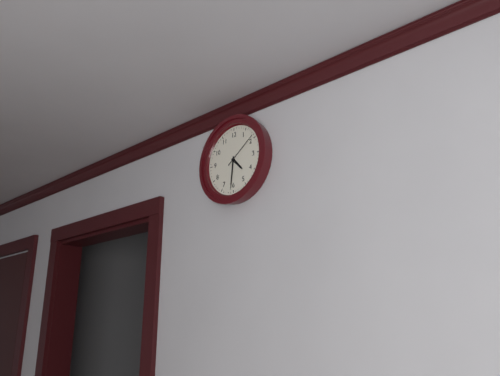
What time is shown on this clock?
4:31
